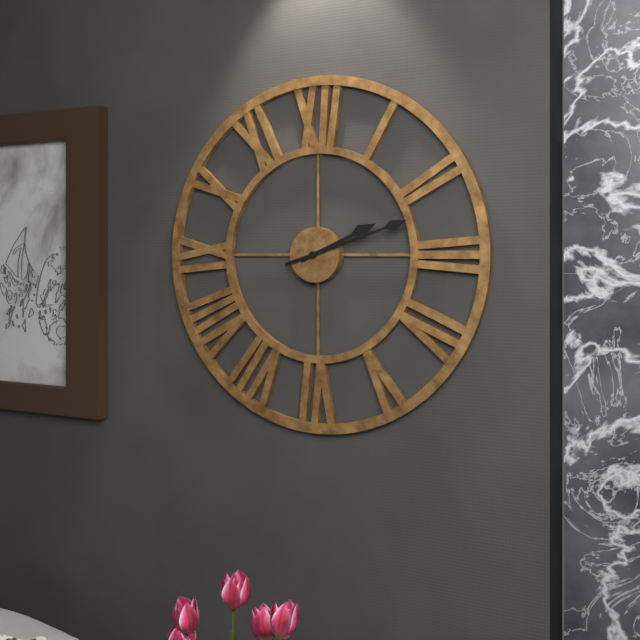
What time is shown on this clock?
2:12
